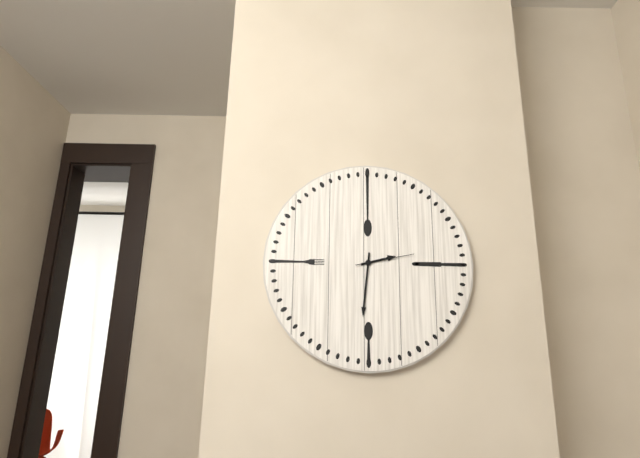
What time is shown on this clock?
2:31:13
